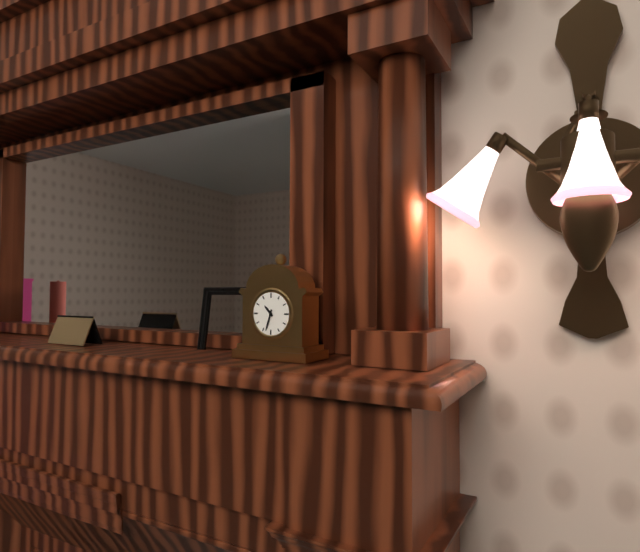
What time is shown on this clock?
10:33
